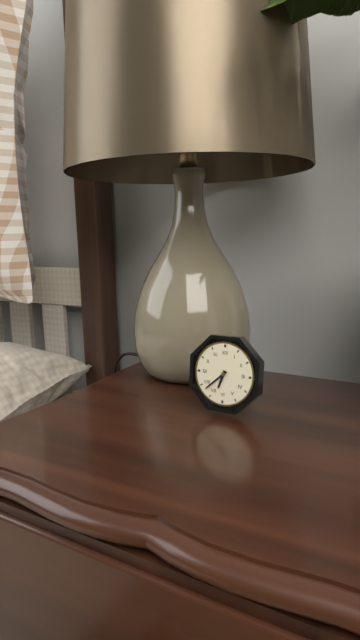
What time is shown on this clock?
6:38
